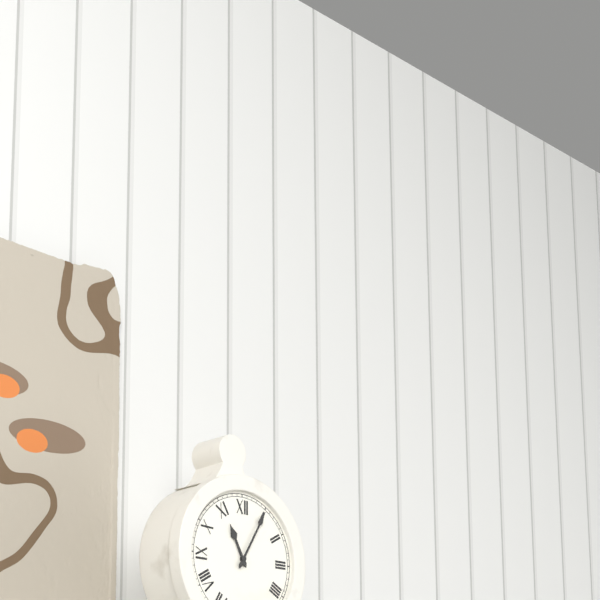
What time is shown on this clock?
11:05
